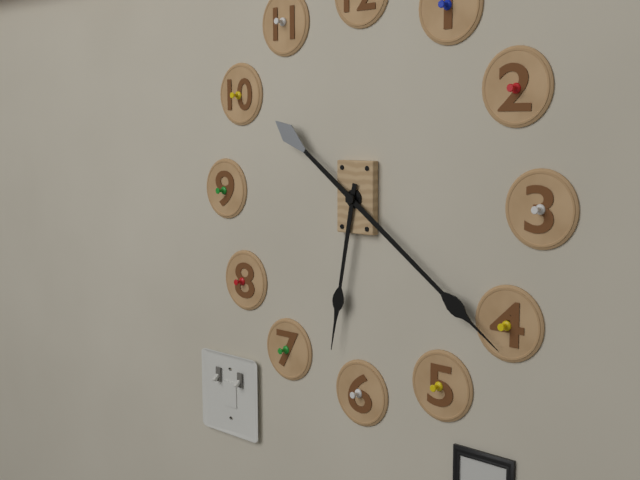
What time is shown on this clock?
6:21
